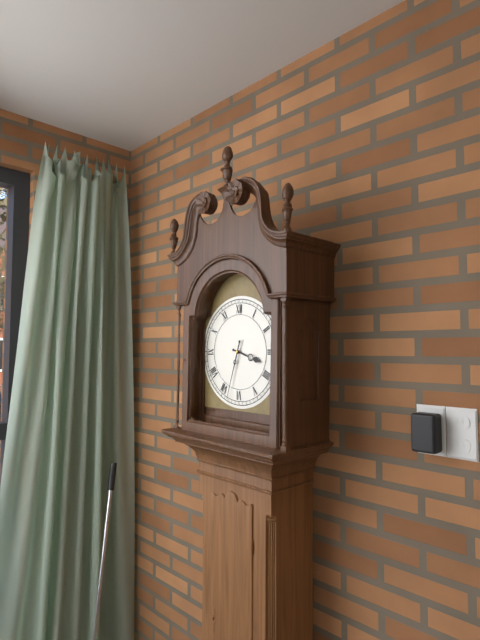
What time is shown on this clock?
3:33
